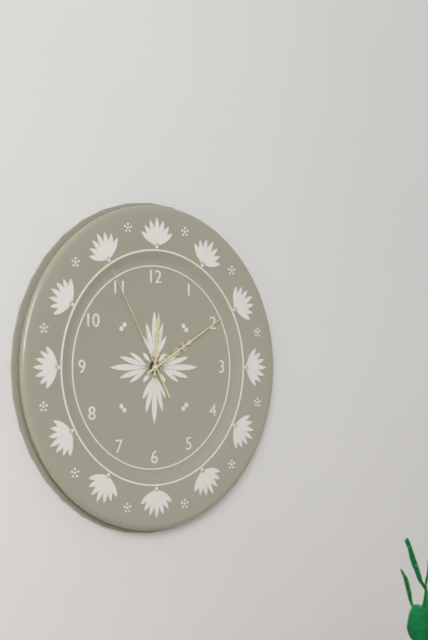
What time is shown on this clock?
12:10:55
